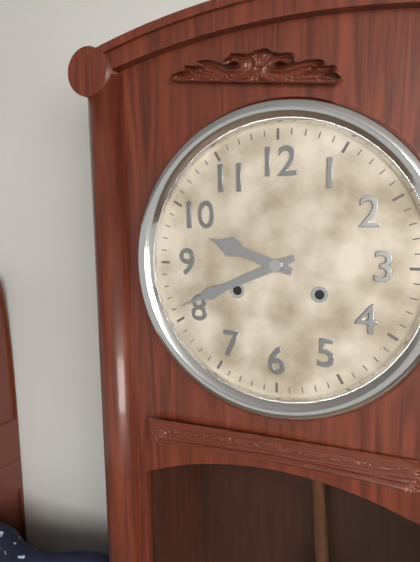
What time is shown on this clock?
9:41
